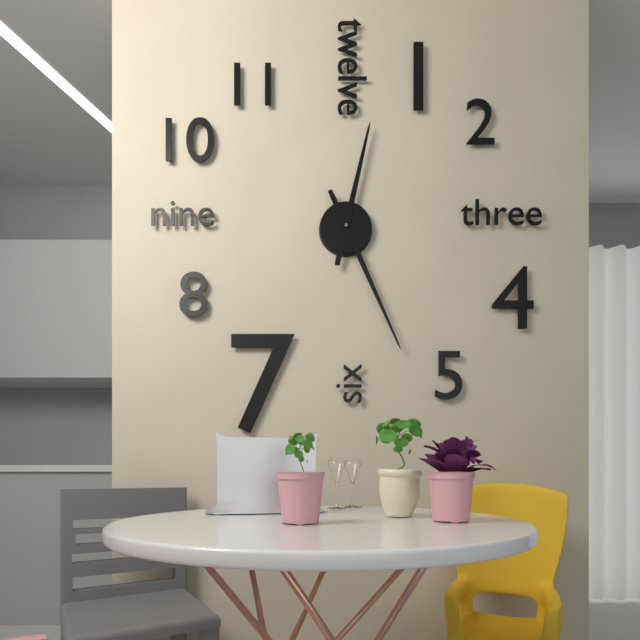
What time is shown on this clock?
12:26
